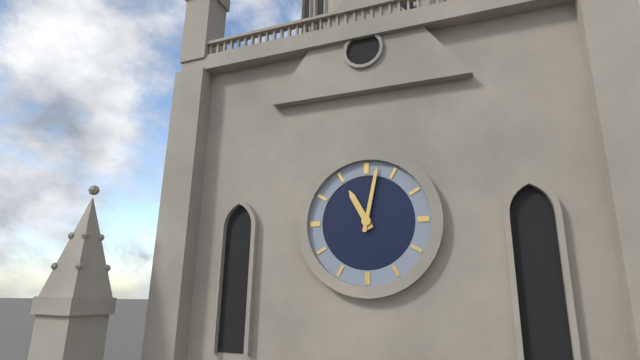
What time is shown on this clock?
11:02
